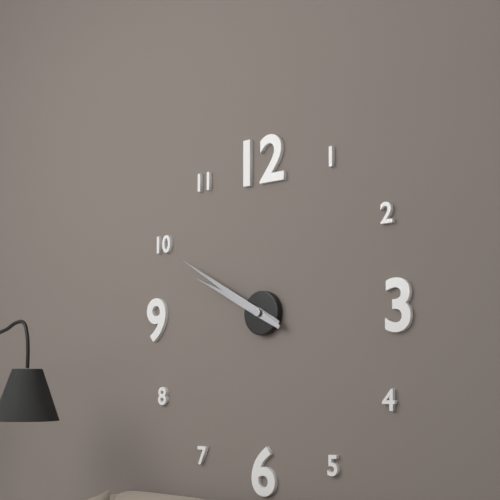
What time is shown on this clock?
9:50
